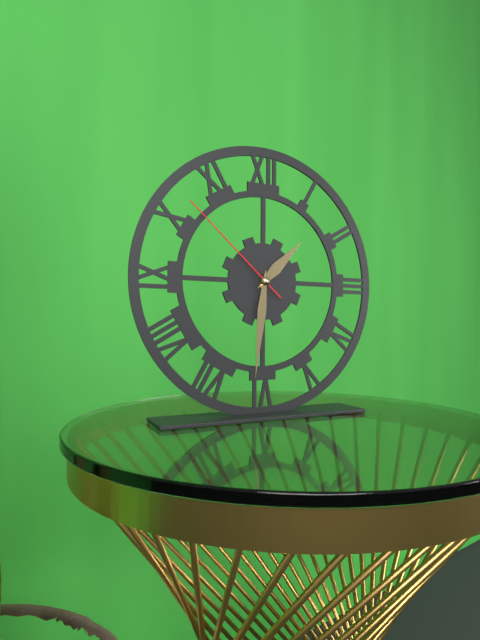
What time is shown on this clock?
1:31:52
